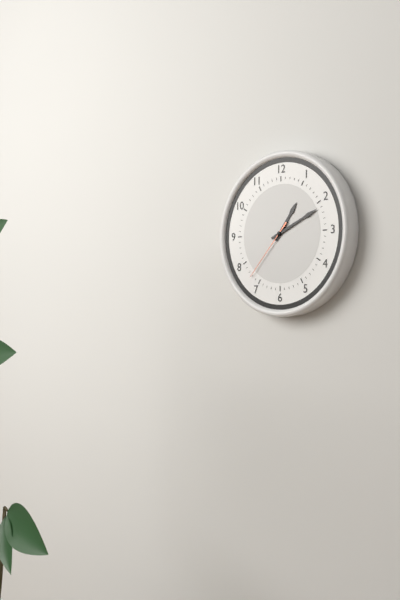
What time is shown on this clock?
1:11:37
